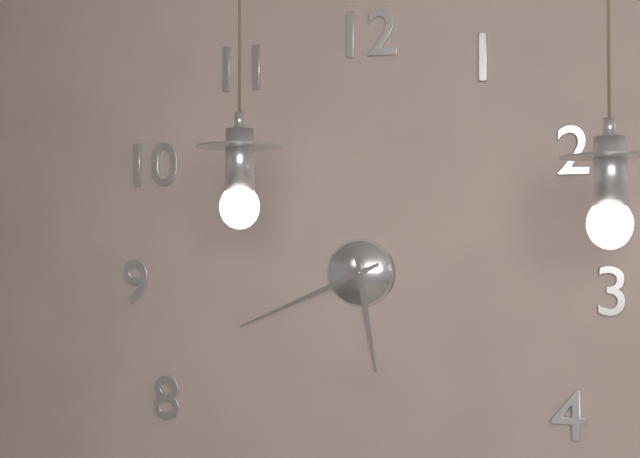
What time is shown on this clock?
5:41
